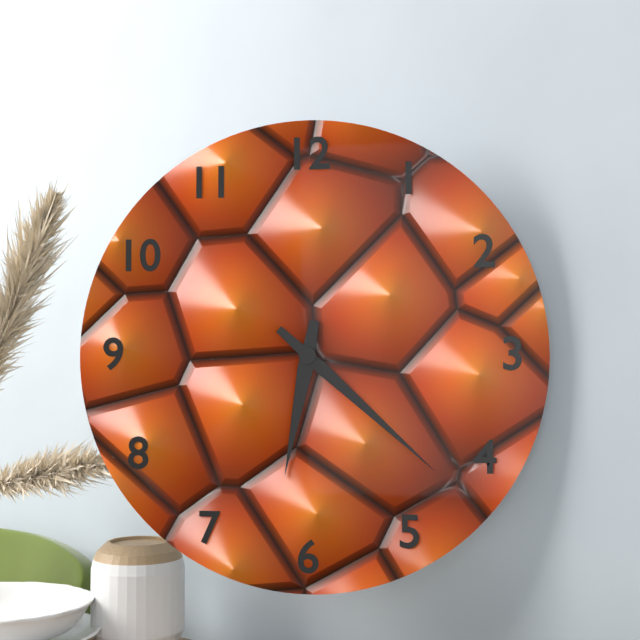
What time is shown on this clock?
6:22
